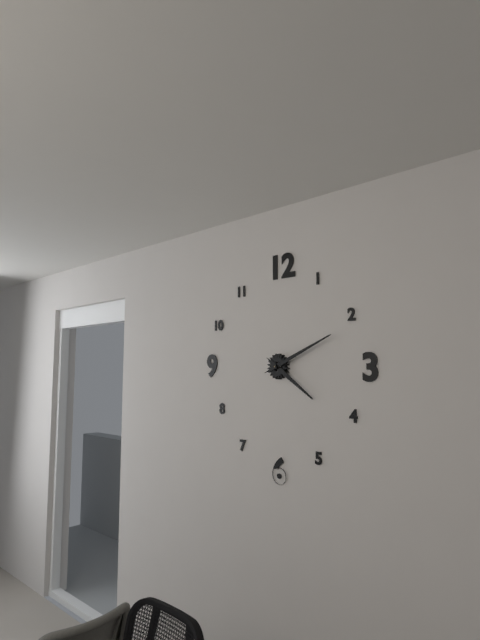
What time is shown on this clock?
4:11
